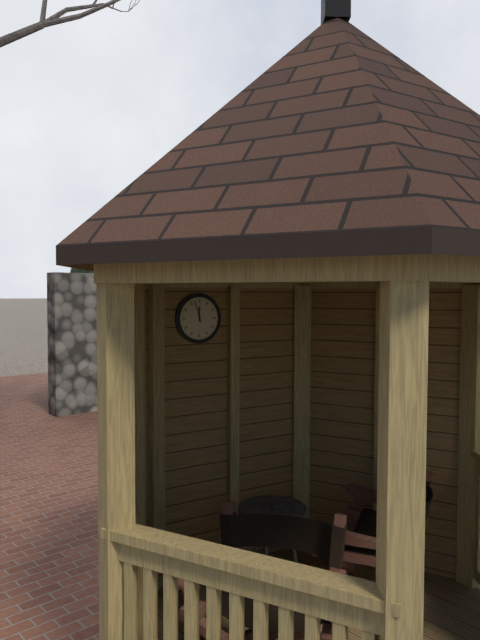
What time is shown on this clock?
11:57
